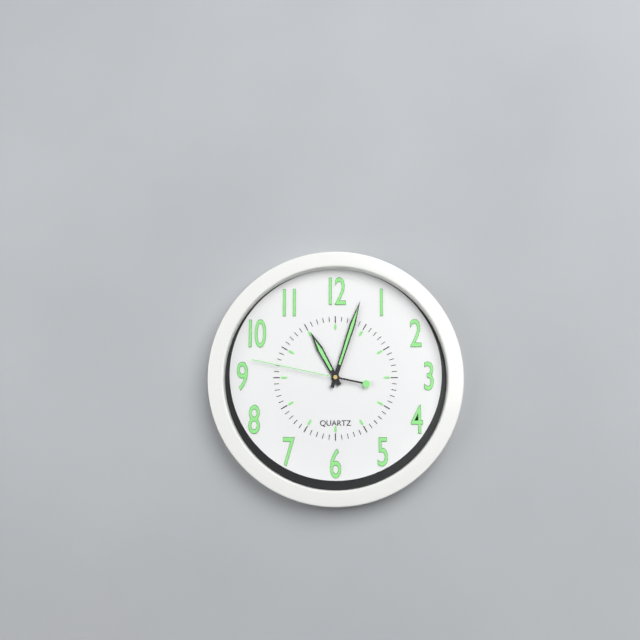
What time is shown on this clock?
11:03:47
